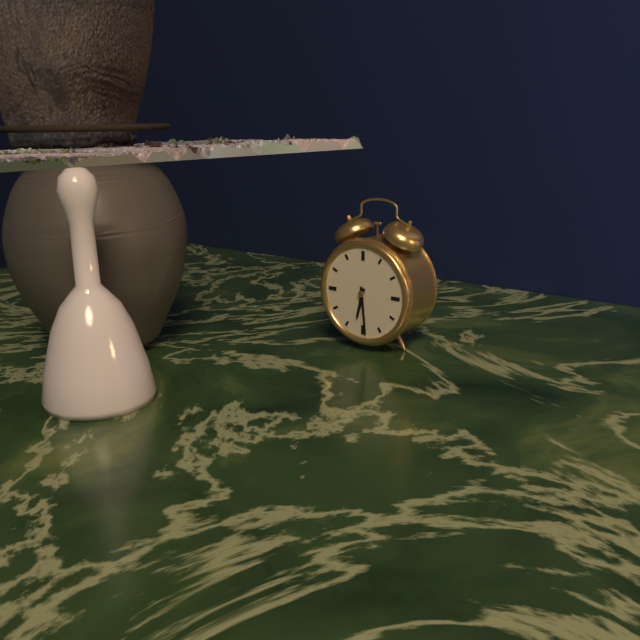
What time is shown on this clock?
6:29
